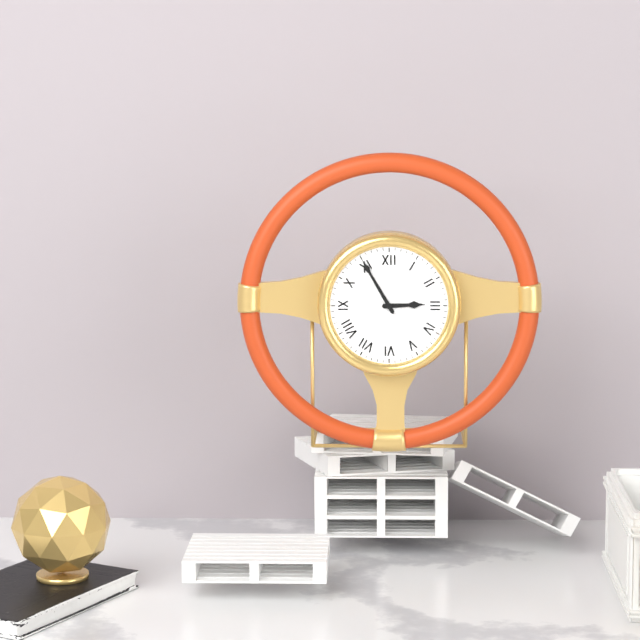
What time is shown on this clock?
2:55
